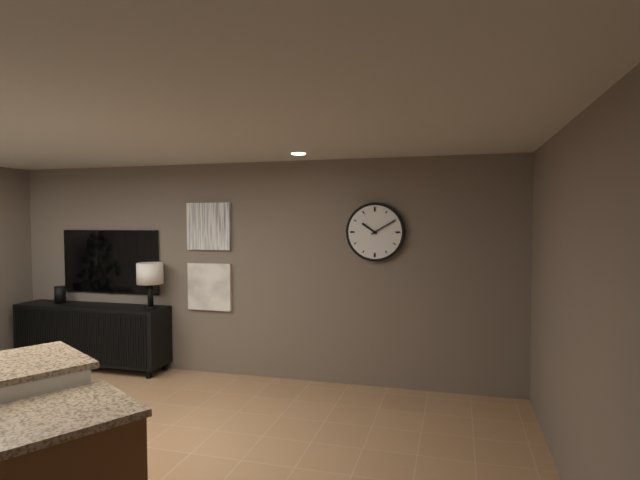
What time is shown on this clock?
10:10
